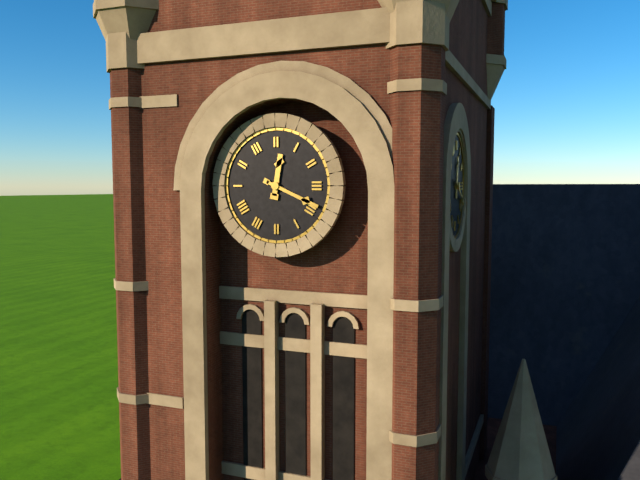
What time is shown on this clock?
12:19
